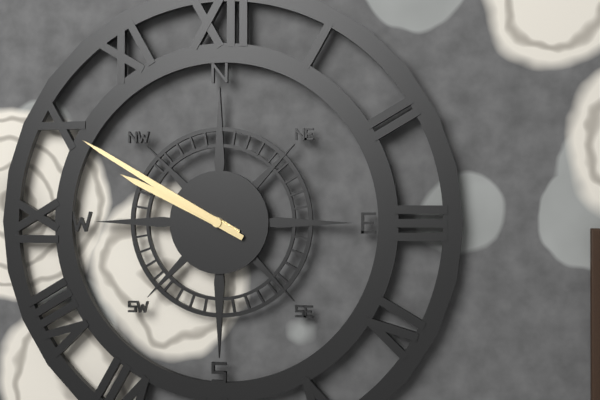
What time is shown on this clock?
9:50
